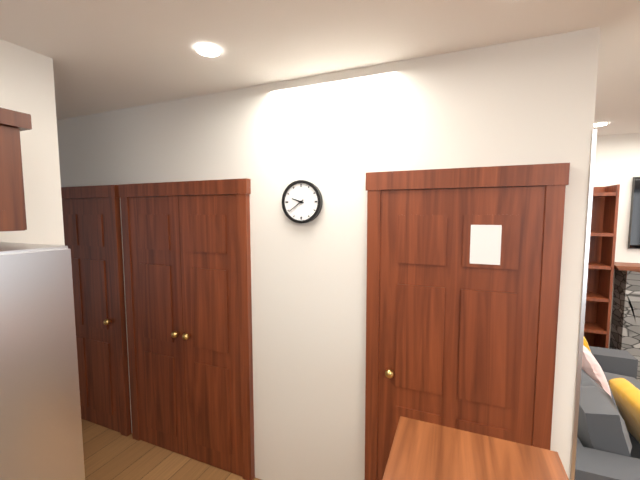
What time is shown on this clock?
9:39
